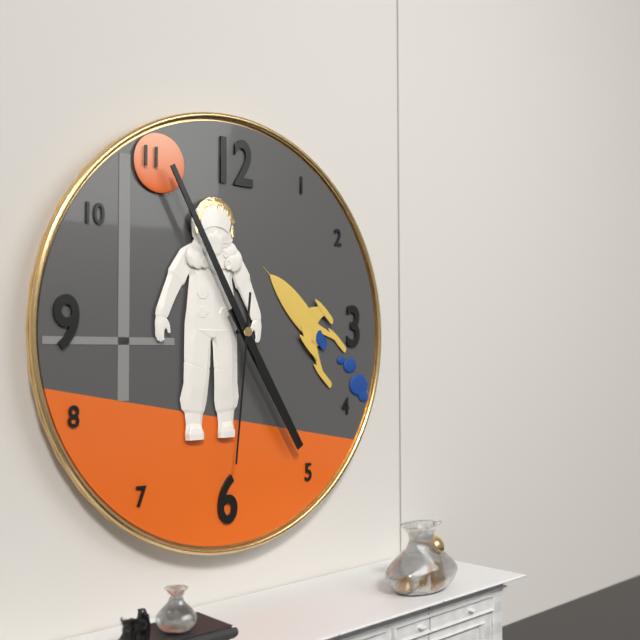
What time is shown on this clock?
4:55:31
